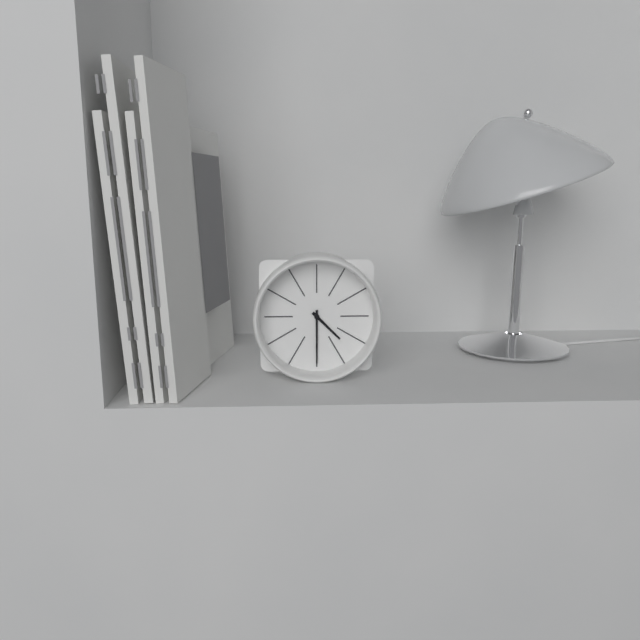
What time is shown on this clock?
4:30
